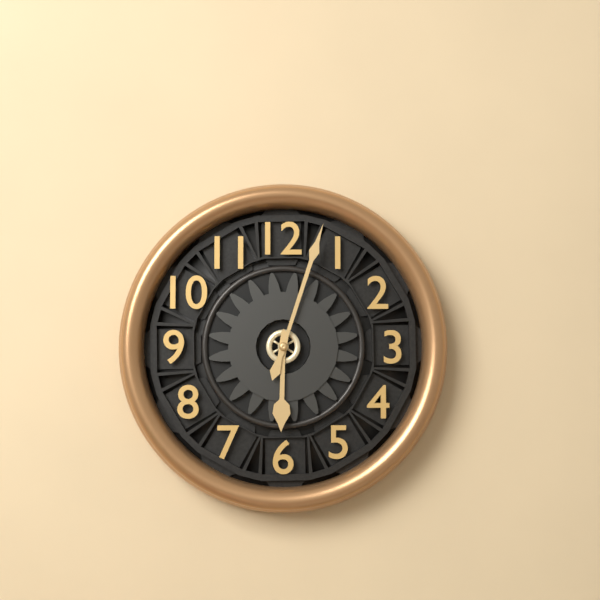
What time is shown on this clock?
6:03
